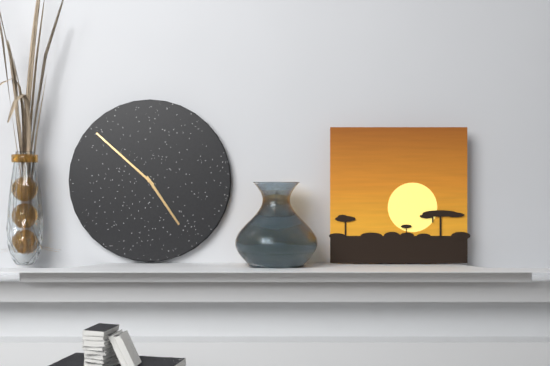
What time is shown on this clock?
4:52
